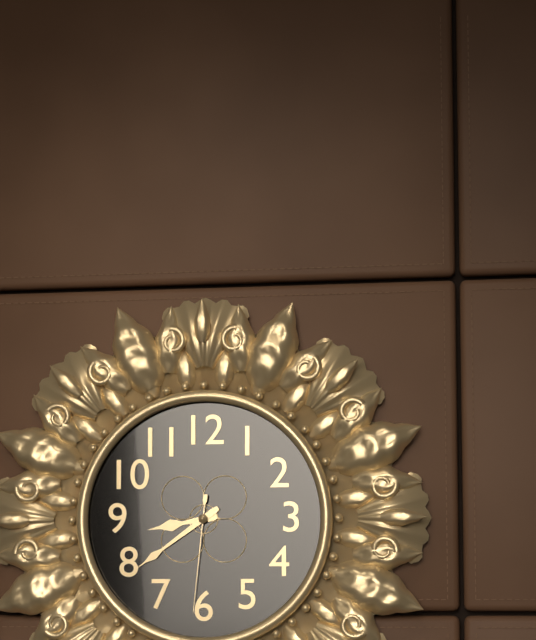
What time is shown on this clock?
8:39:31
